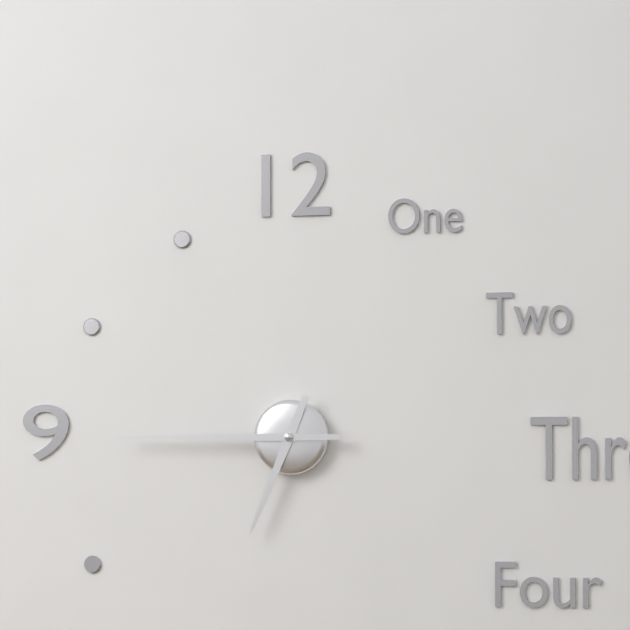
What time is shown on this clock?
6:45
